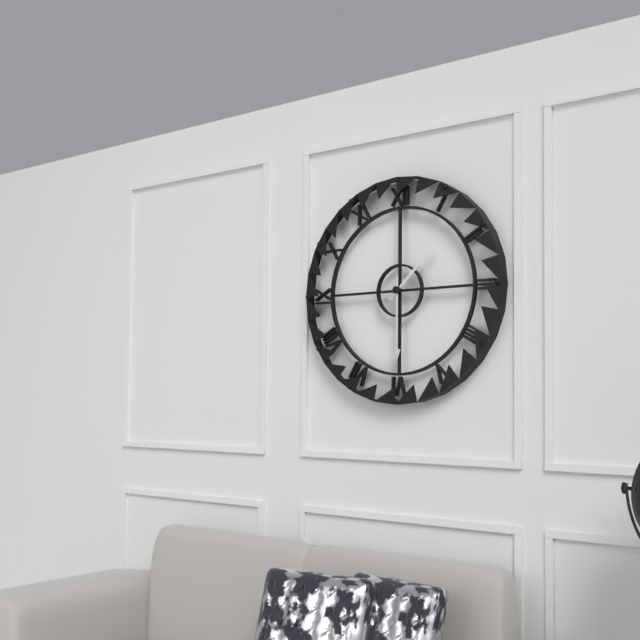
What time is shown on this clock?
1:30
